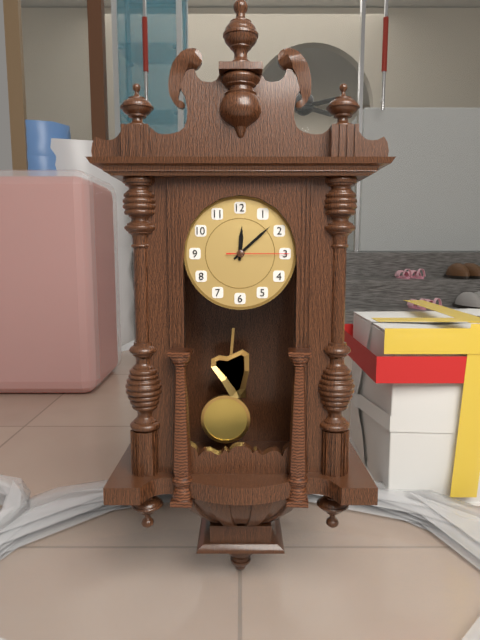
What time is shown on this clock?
12:08:15
